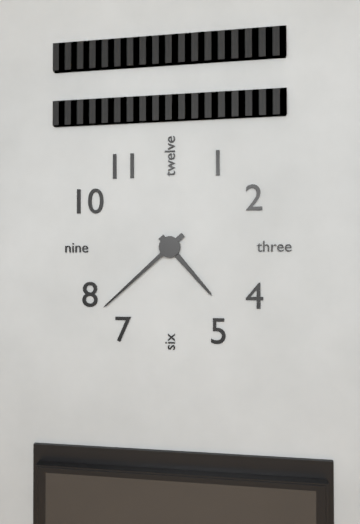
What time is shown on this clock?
4:38
